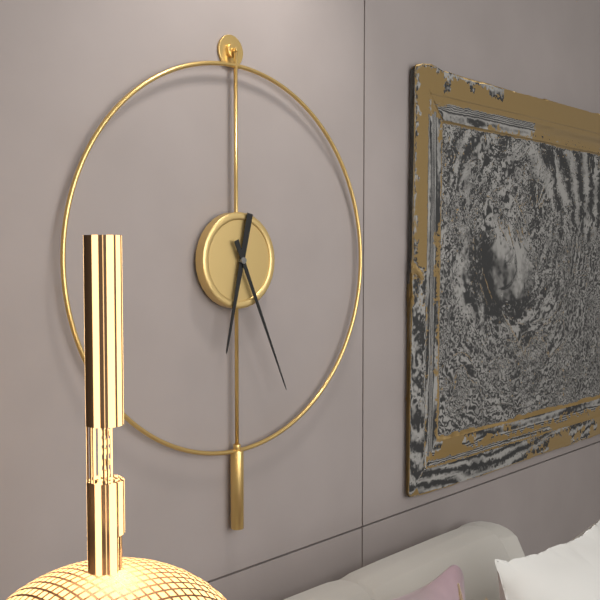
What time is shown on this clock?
6:26
